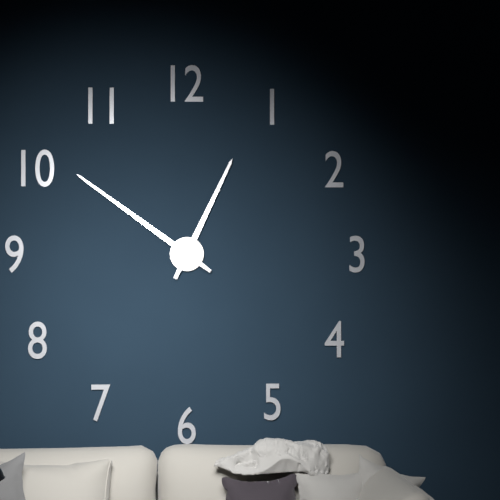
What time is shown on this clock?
12:51
